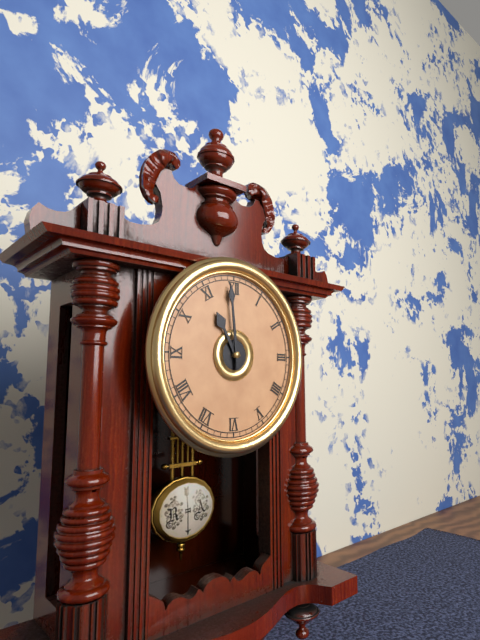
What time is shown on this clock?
10:59
